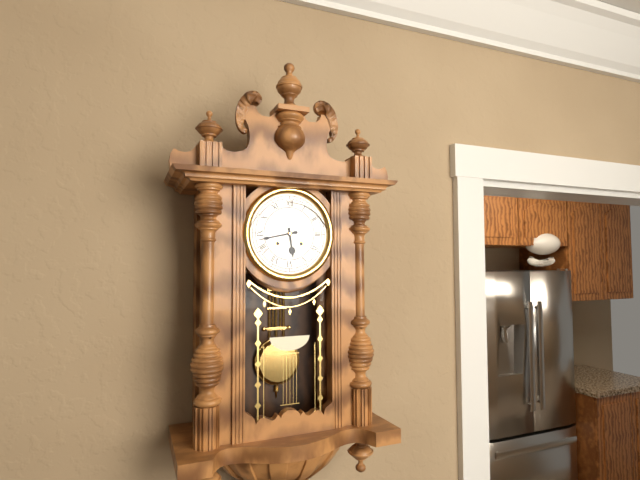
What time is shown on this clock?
5:43
